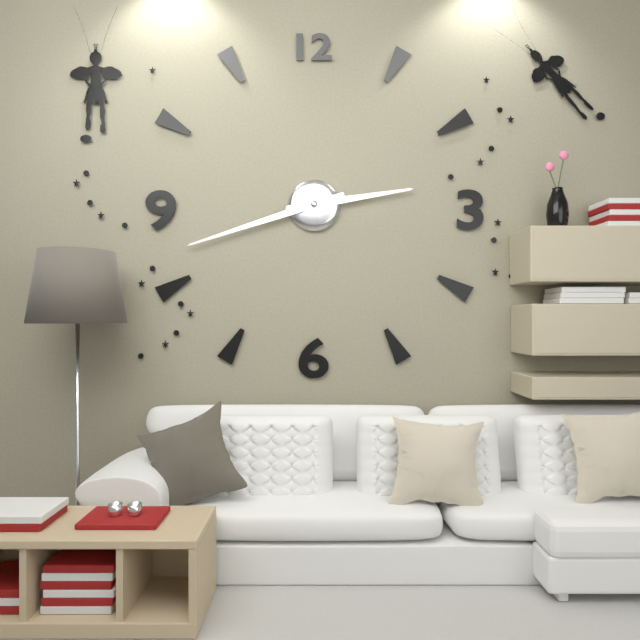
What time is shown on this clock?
2:42
